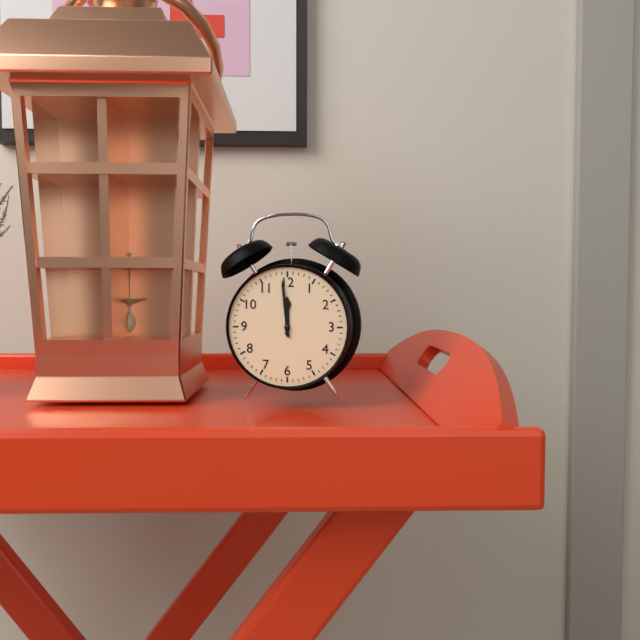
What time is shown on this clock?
11:59
